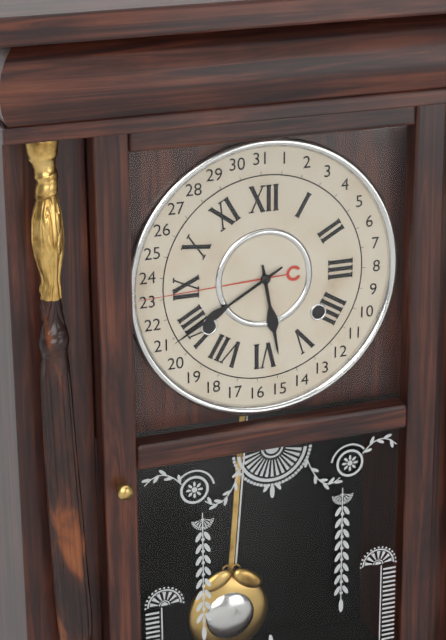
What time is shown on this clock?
5:40
